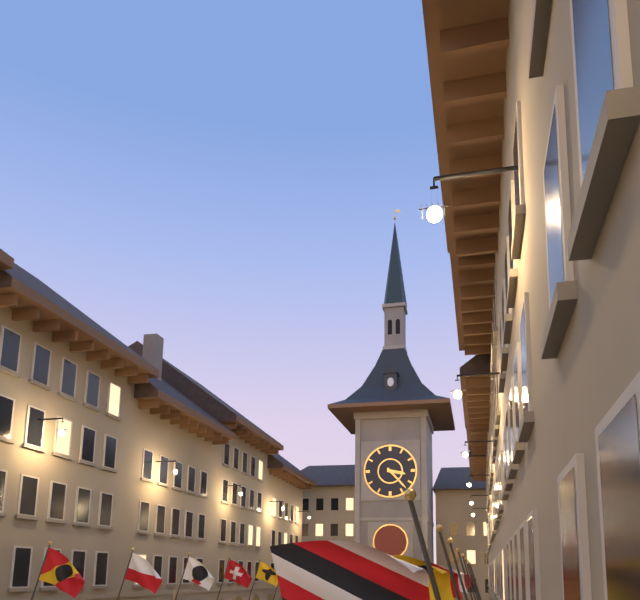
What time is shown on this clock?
3:23
